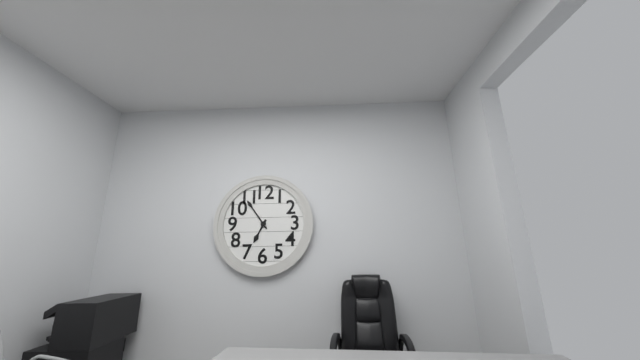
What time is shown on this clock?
6:54
